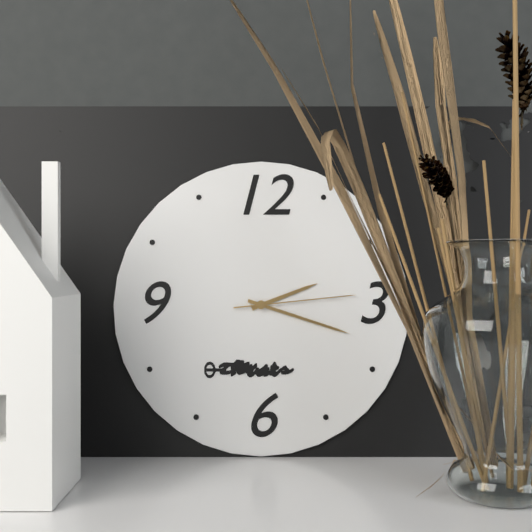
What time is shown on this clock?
2:18:14
